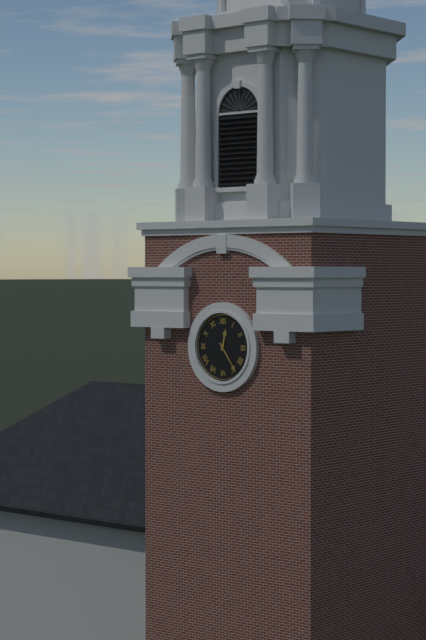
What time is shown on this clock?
12:24
